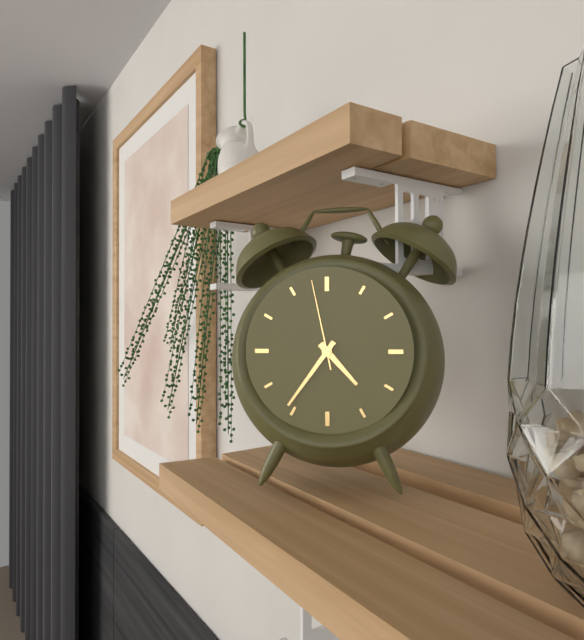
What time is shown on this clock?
4:36:58
